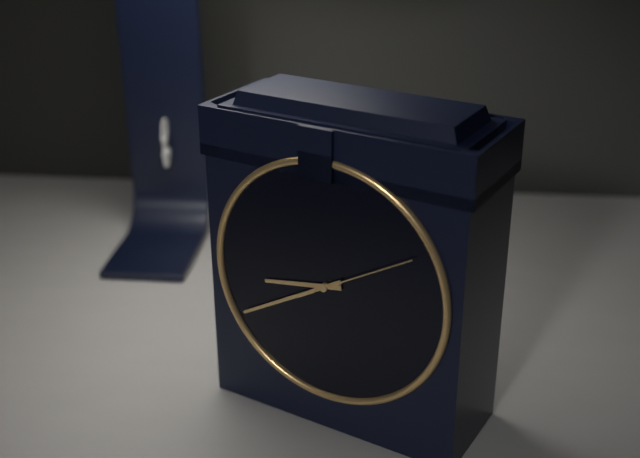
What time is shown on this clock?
8:40:10
